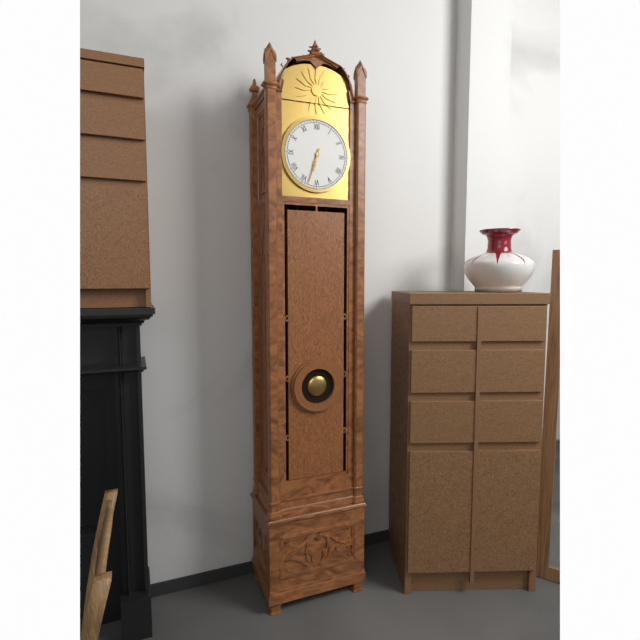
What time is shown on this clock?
6:33
